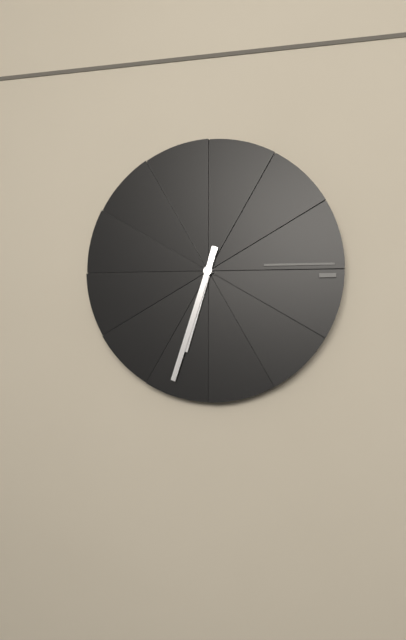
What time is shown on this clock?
6:33
